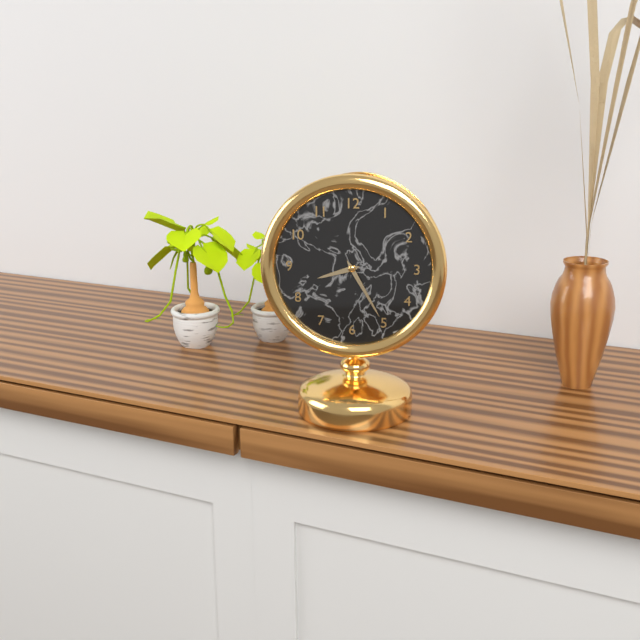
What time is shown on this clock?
8:25
